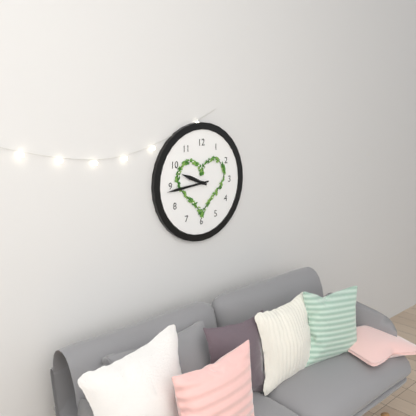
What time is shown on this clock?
9:44
